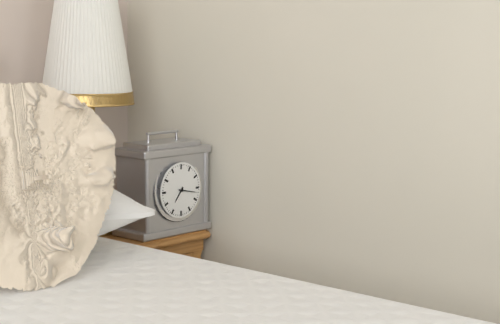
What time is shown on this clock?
7:17
